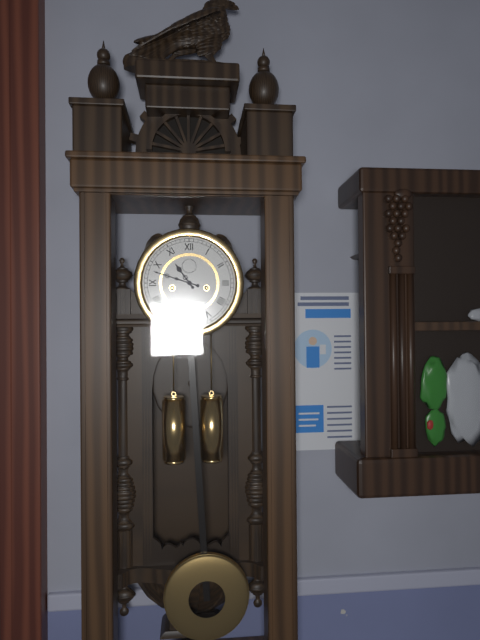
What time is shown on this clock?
10:48
